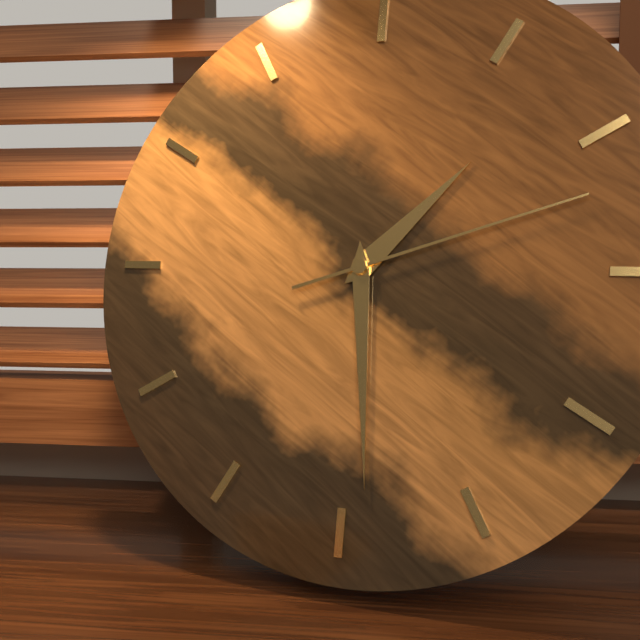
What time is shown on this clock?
1:29:12
